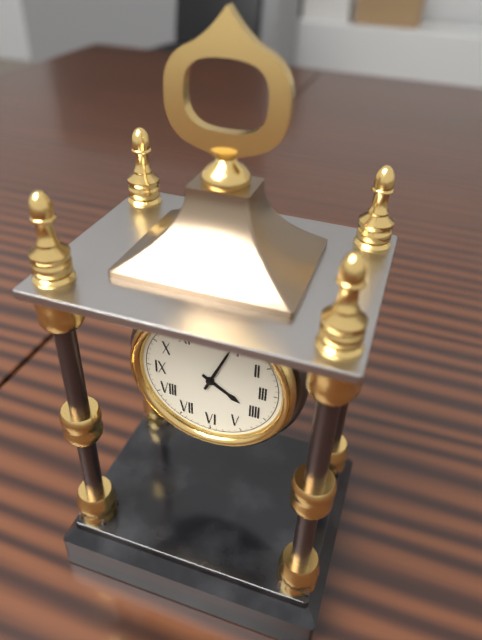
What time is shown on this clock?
4:04
